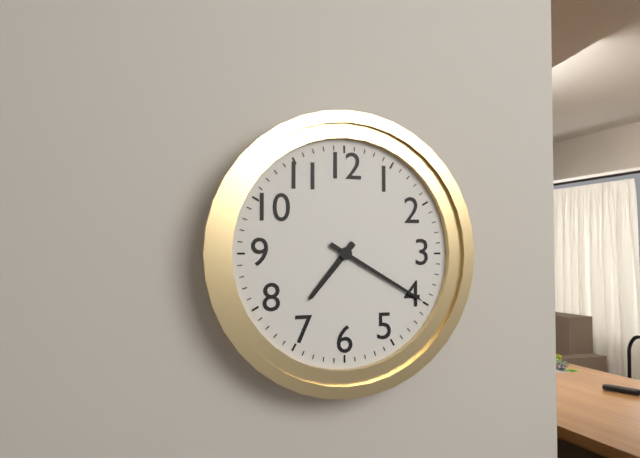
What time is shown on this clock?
7:20
